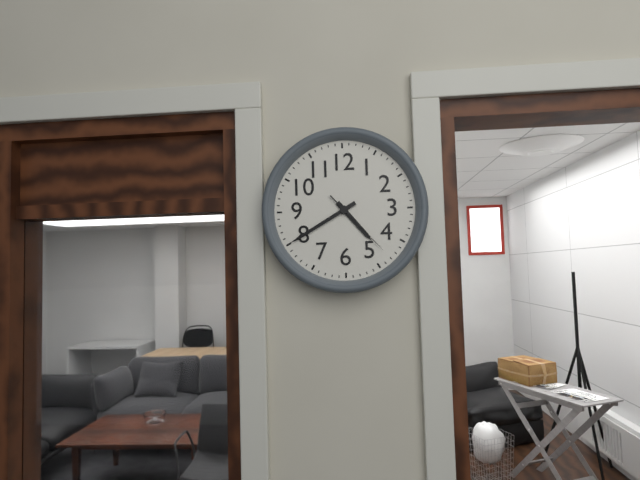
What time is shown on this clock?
4:40:23
